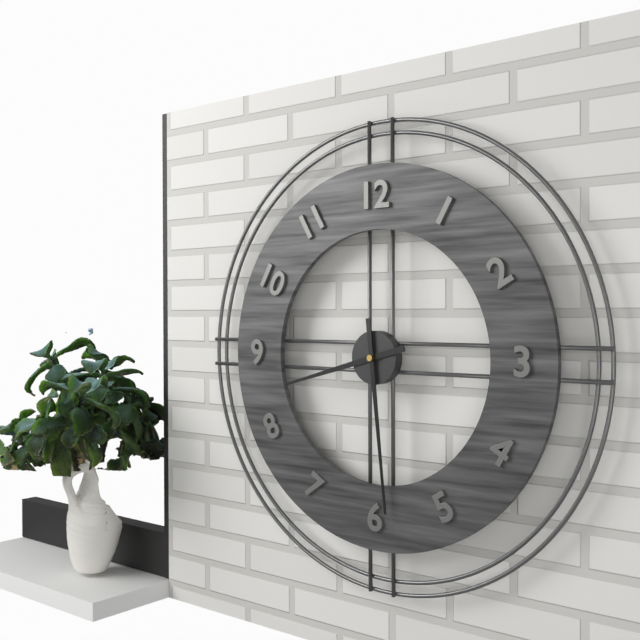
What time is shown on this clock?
8:29
